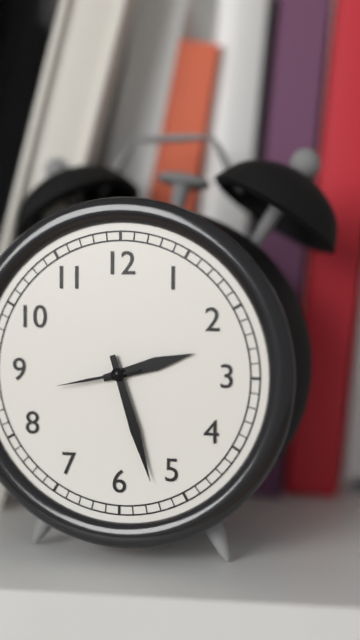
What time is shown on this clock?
2:27:43
